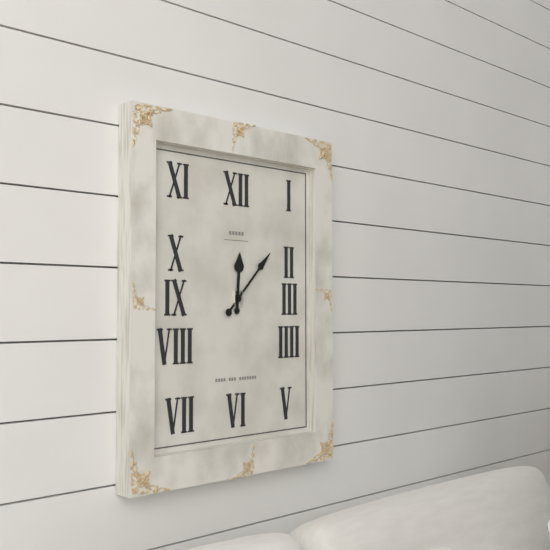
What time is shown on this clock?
12:07
